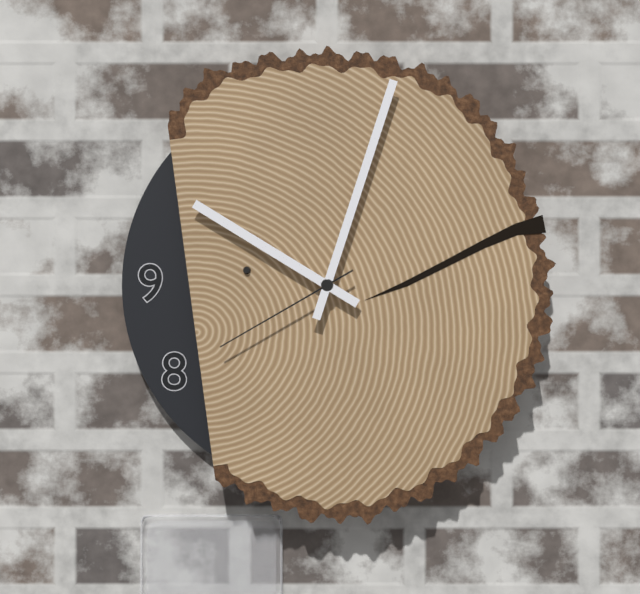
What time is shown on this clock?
10:03:40
